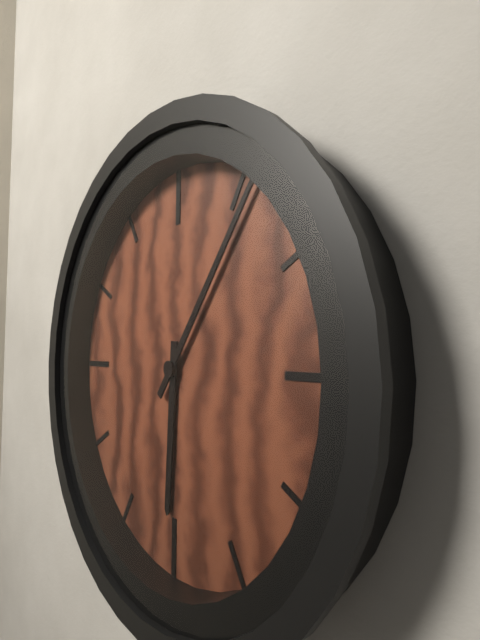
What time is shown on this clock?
6:06
